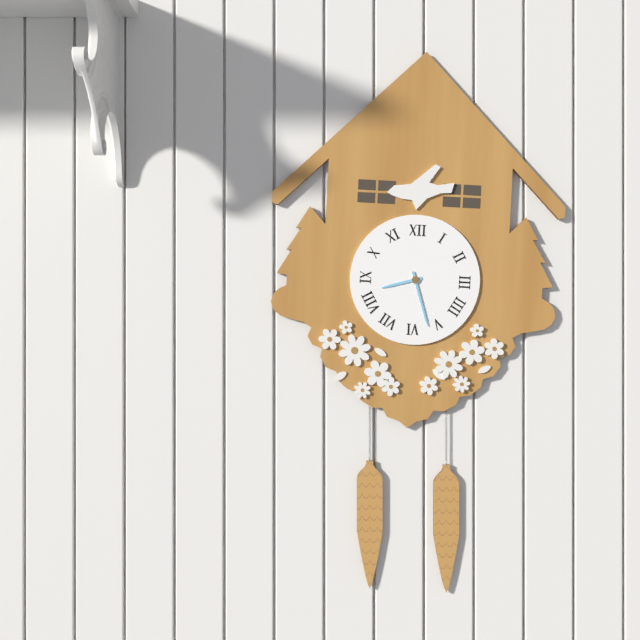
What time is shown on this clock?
8:27
